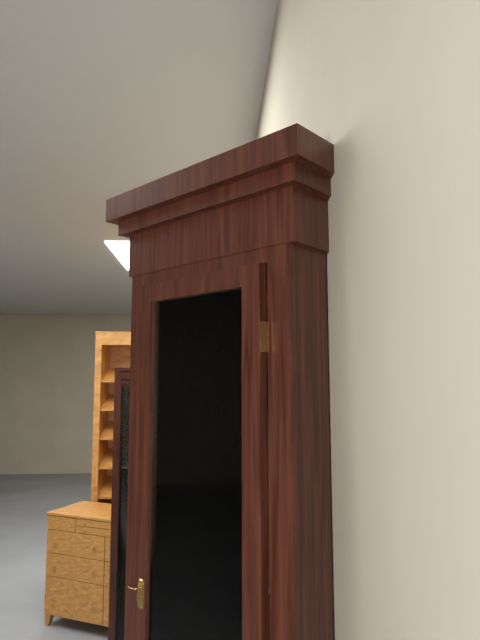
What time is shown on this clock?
1:43
